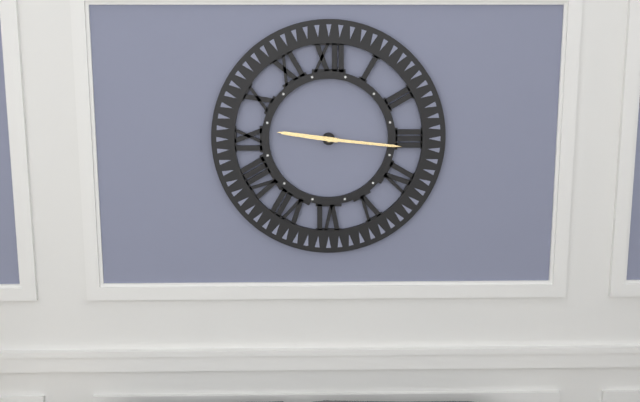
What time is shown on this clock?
9:16
